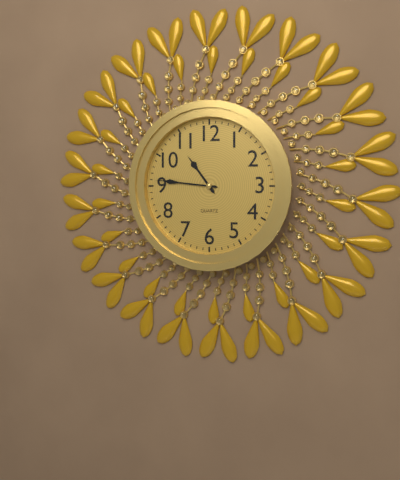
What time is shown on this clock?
10:46
